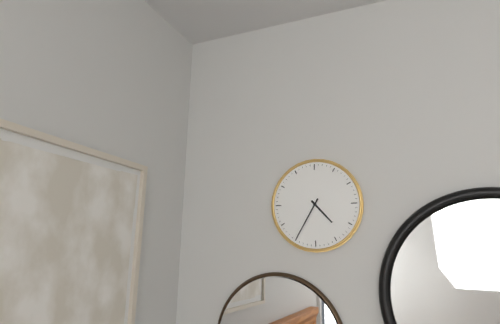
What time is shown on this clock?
4:35
